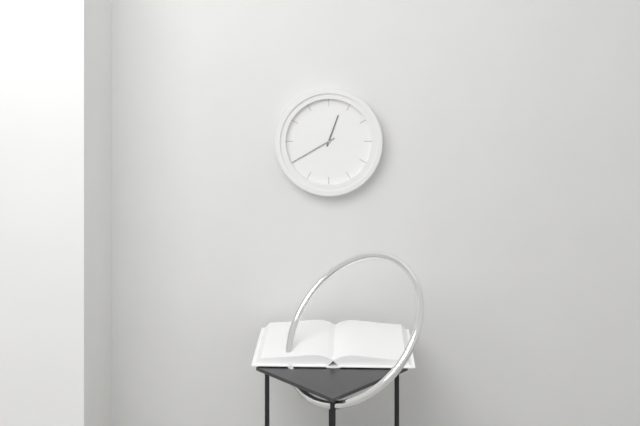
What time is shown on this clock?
12:40
